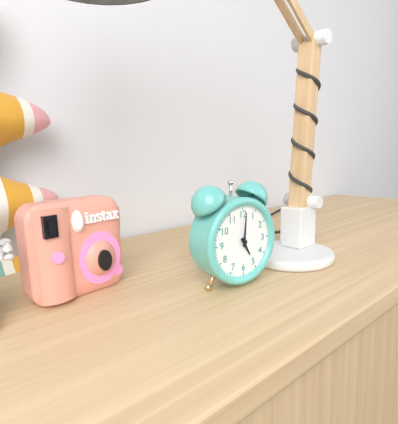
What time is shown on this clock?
5:01
